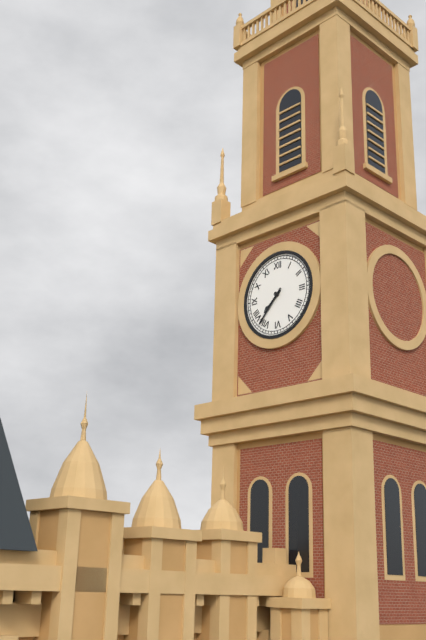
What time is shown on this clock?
7:37
